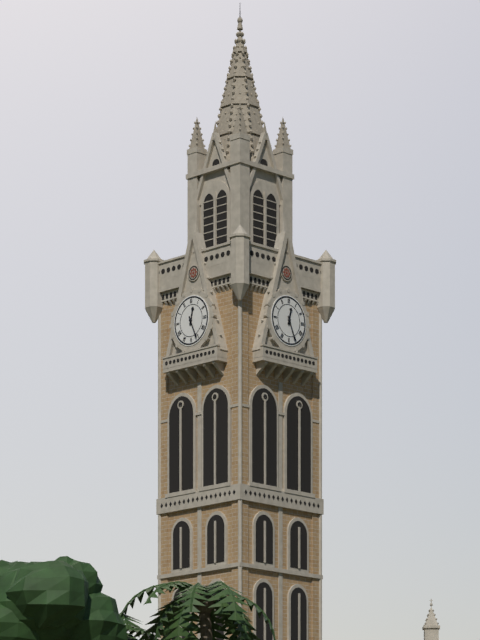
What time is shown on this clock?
12:26
